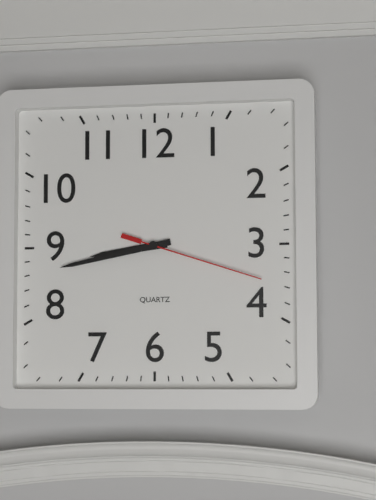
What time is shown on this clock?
8:43:18
